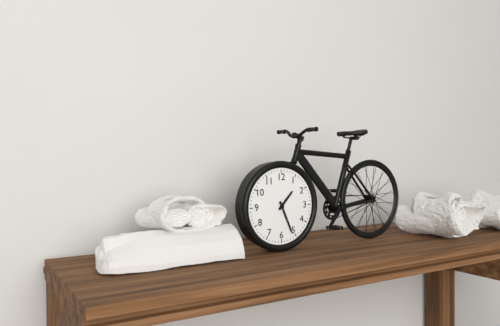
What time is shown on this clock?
1:26
